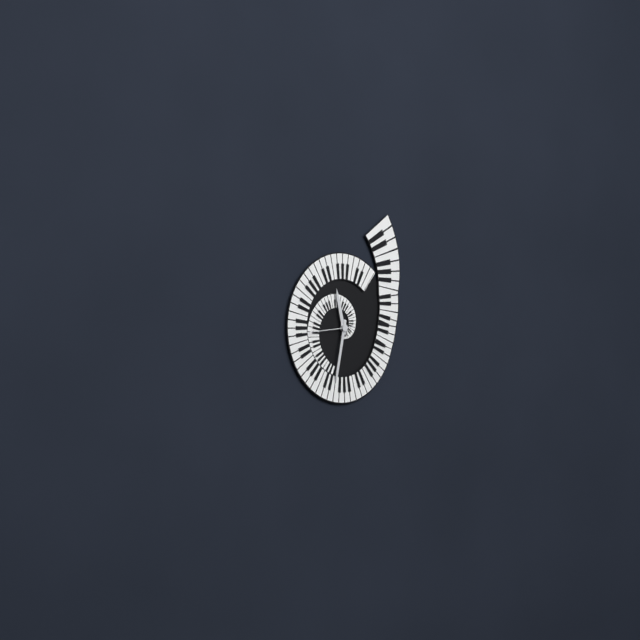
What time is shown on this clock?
11:32
